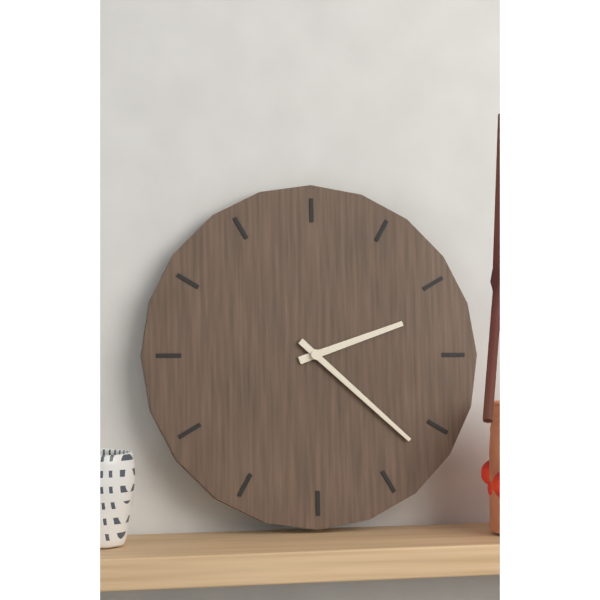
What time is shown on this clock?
2:22
